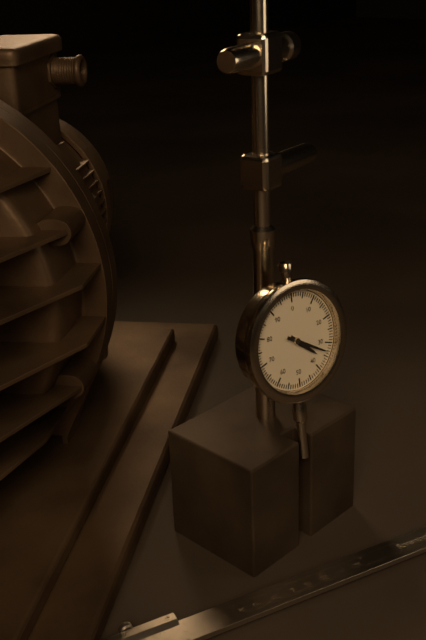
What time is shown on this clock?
4:20
